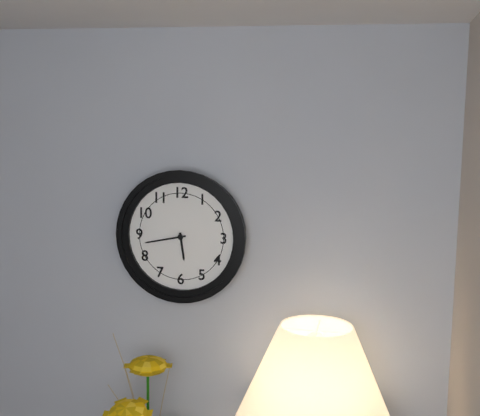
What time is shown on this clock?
5:43
